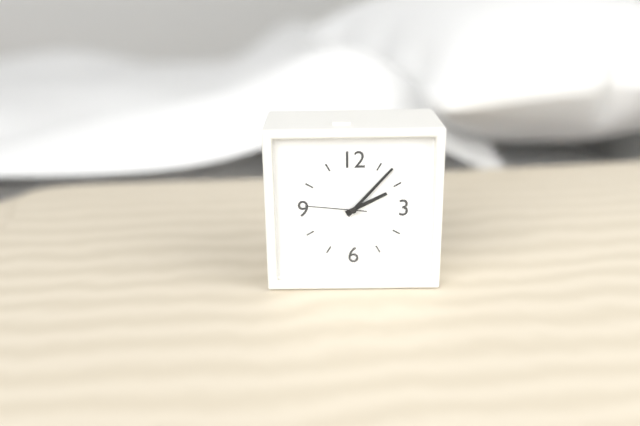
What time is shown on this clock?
2:07:46
